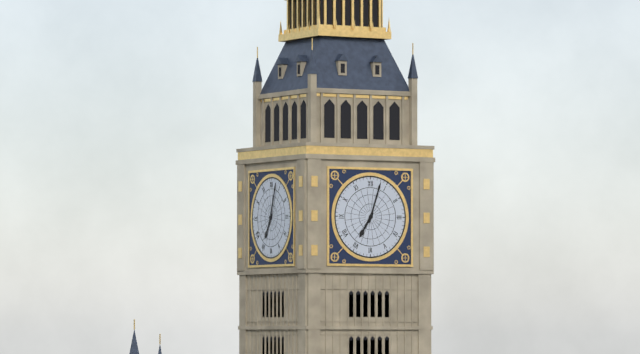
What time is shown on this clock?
7:03
